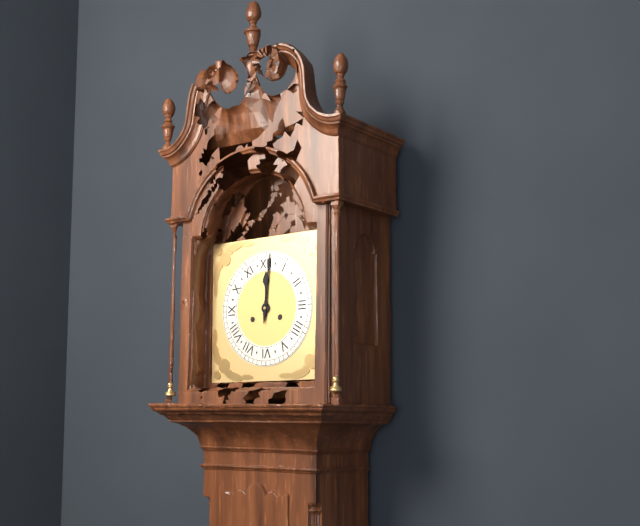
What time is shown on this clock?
12:01
